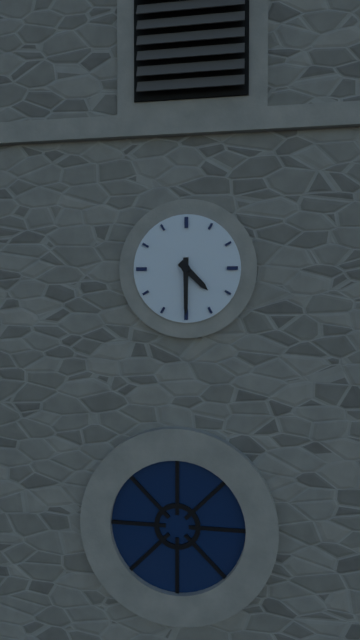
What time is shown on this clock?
4:30
